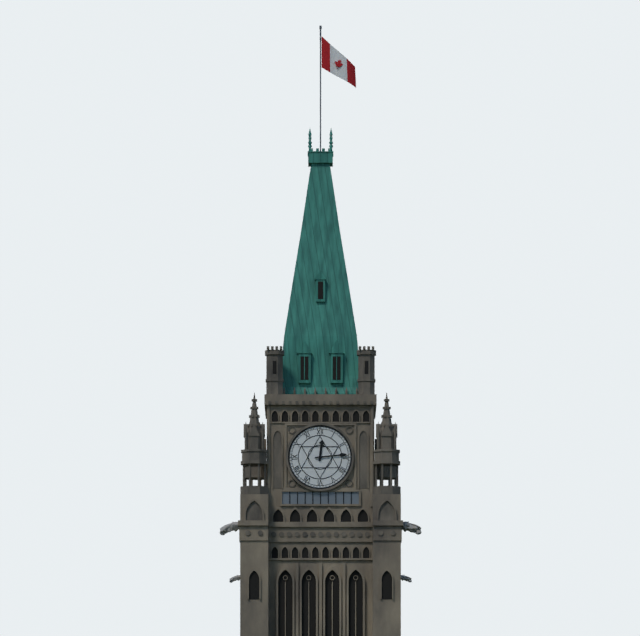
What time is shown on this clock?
12:14
